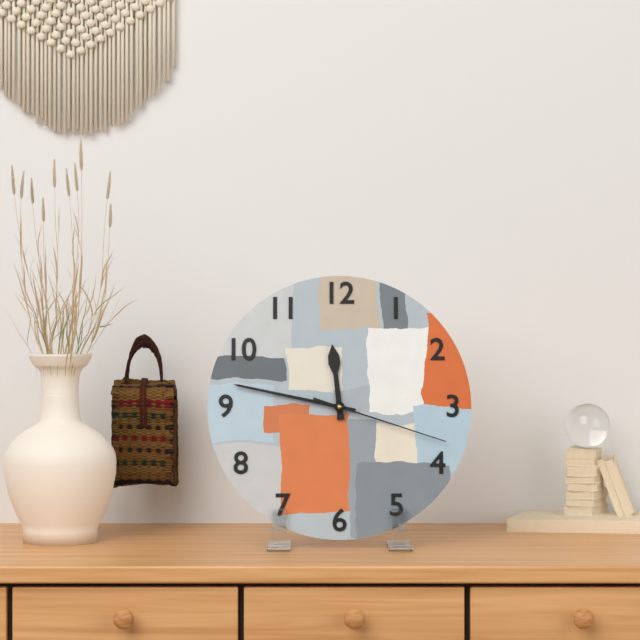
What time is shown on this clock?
11:47:18
